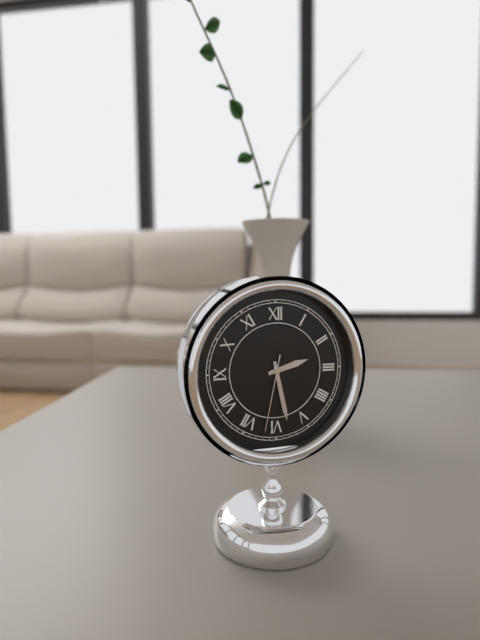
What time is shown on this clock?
2:28:32
